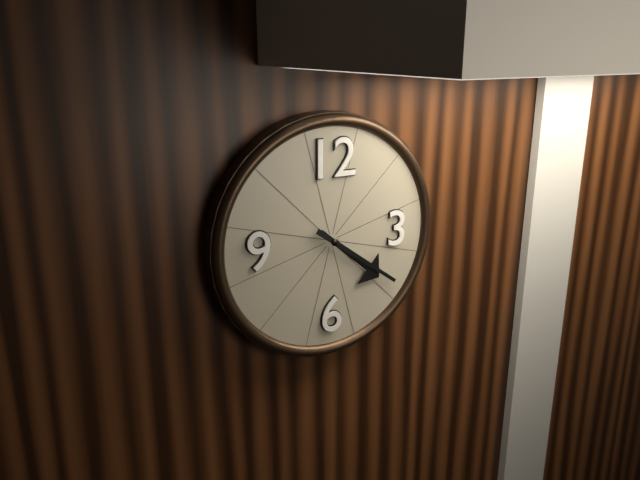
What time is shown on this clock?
4:21
